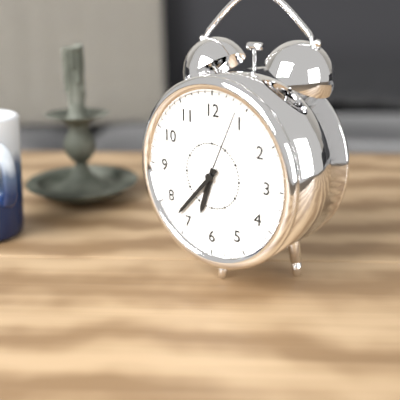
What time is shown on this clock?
6:37:04
